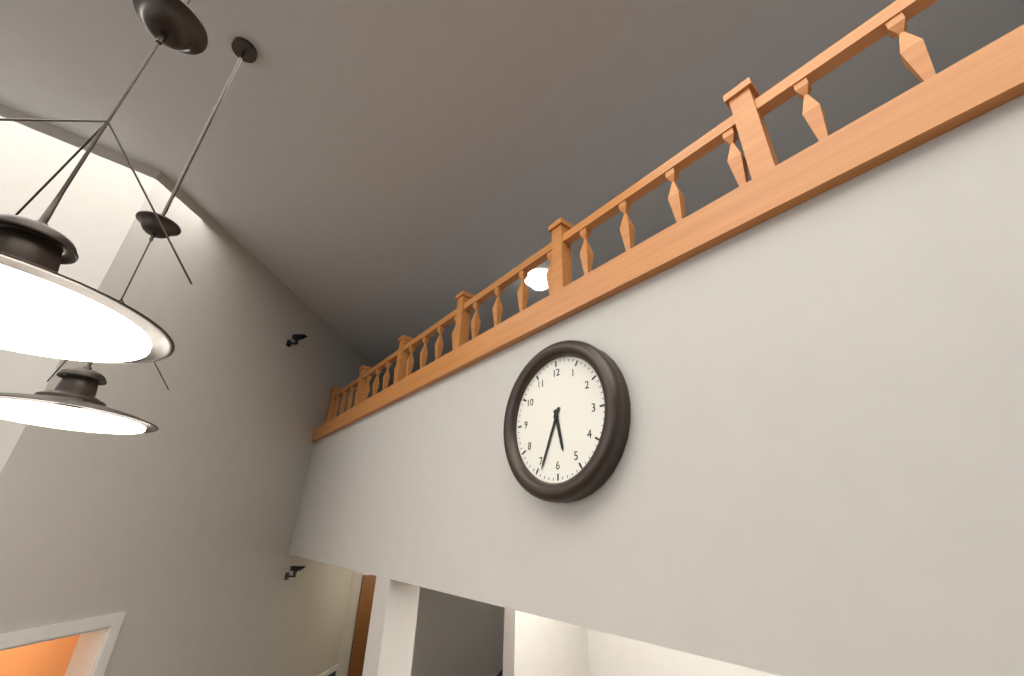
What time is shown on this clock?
5:34
